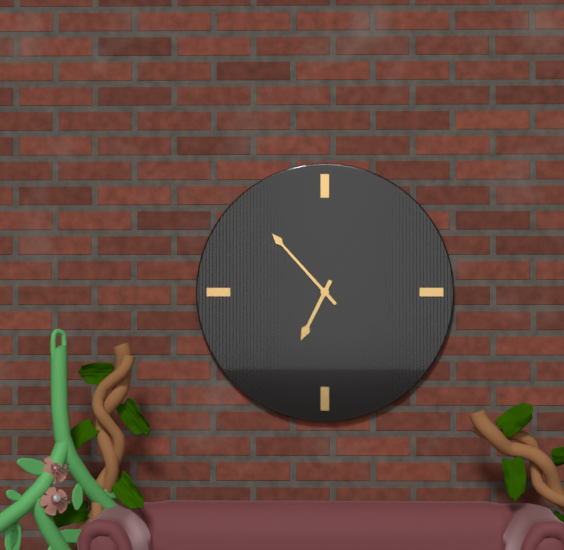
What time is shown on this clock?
6:53
